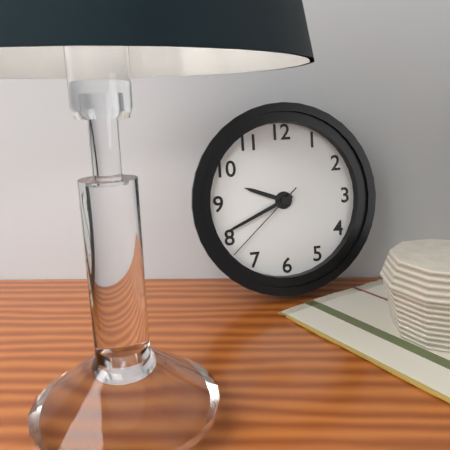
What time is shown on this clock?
9:41:38
